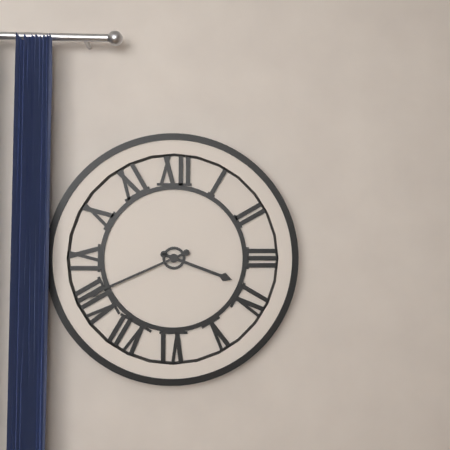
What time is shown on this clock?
3:41
